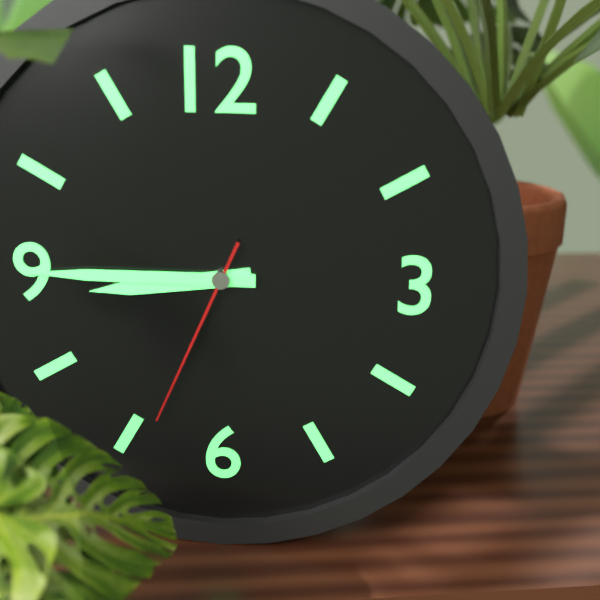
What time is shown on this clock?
8:45:34
